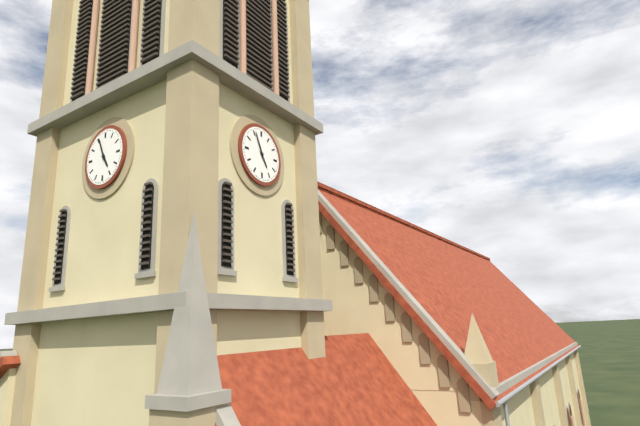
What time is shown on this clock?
4:56
